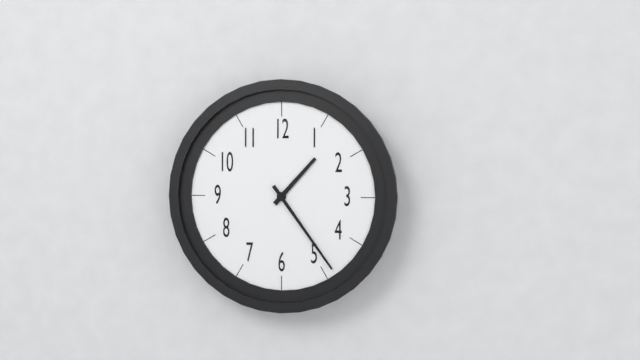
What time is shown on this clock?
1:24
